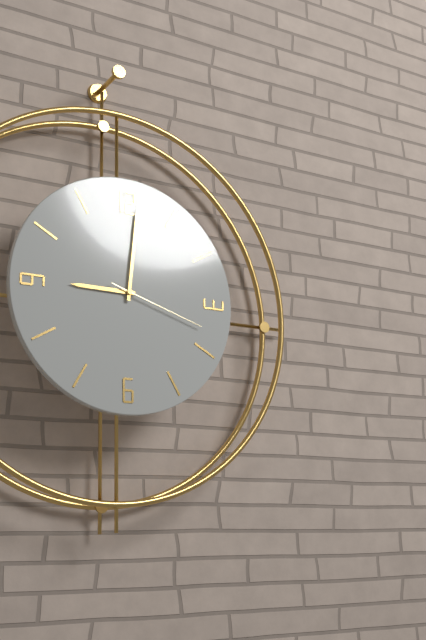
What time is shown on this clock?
9:01:18
